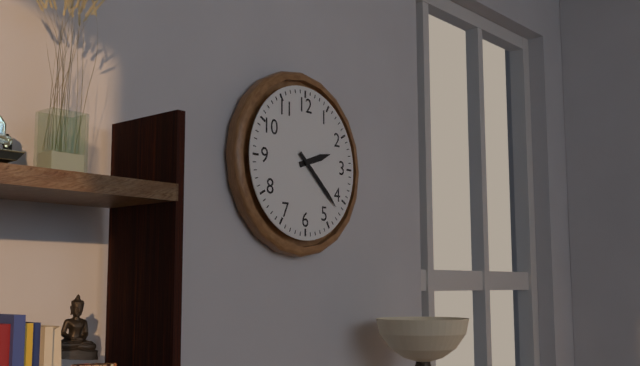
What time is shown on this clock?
2:22
